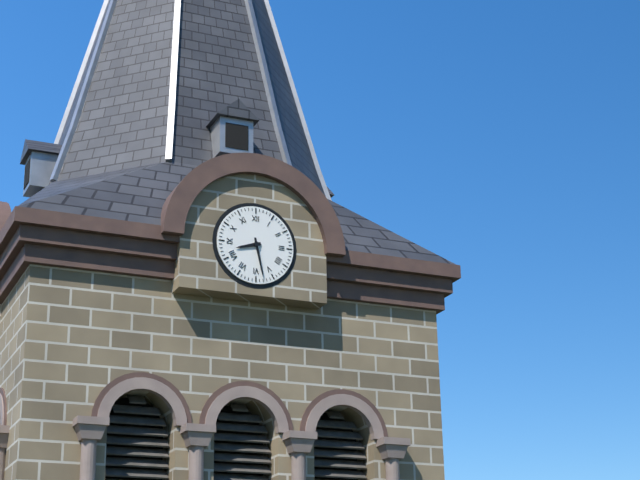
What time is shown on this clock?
8:28
